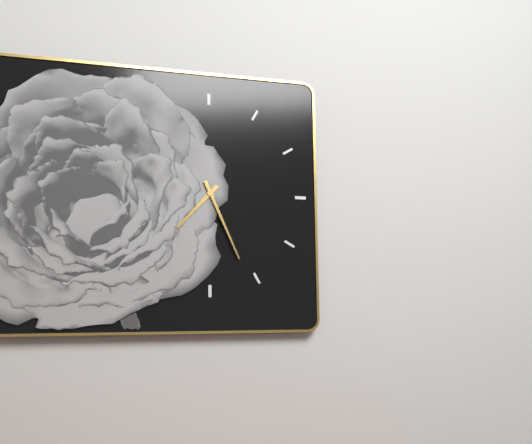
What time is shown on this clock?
7:26
